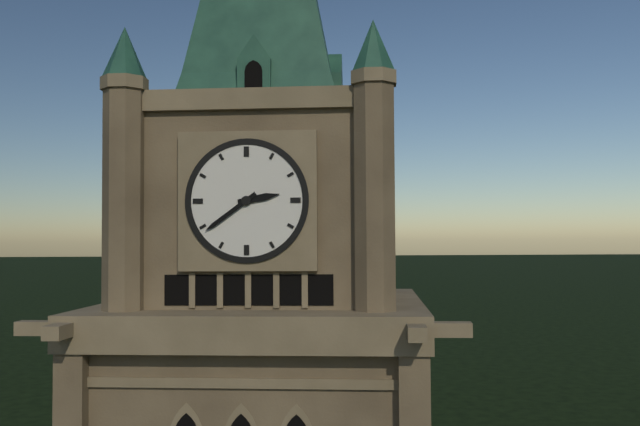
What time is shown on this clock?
2:39
